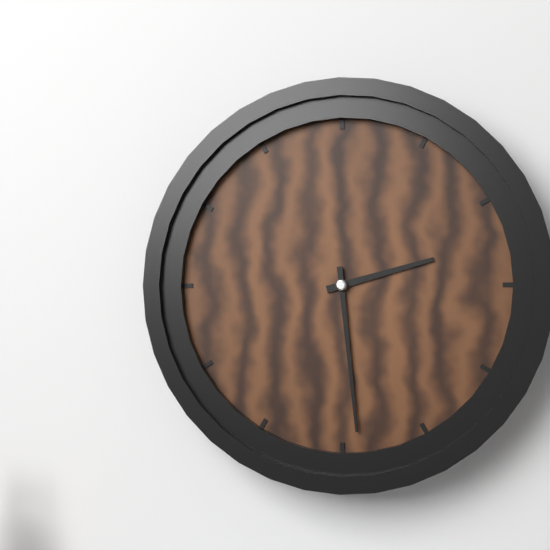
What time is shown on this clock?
2:29
